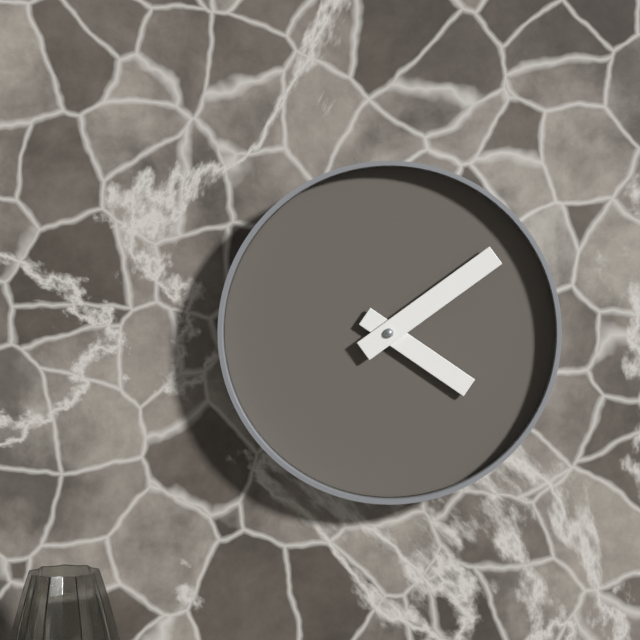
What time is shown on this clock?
4:09
